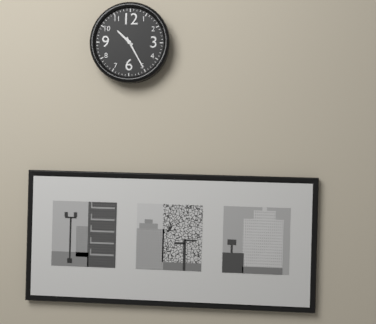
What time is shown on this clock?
10:25
